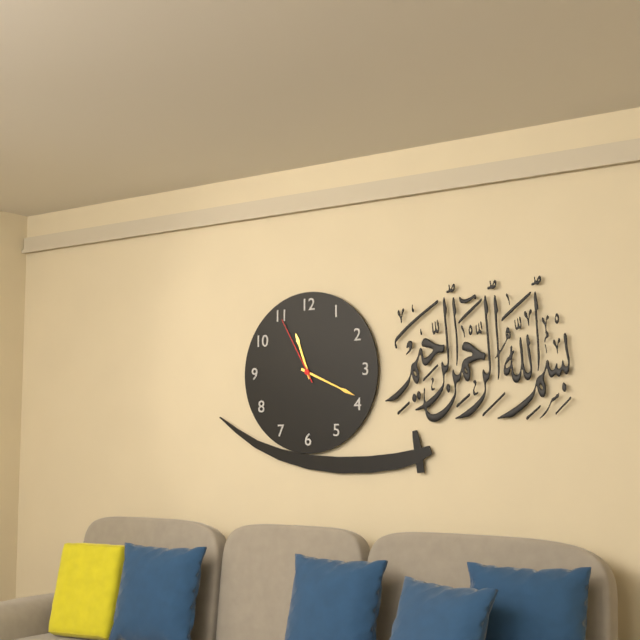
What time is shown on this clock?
11:19:55
